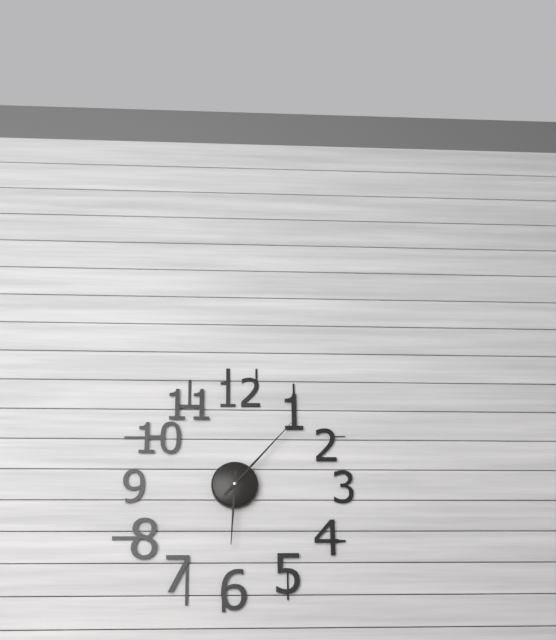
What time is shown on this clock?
6:07
